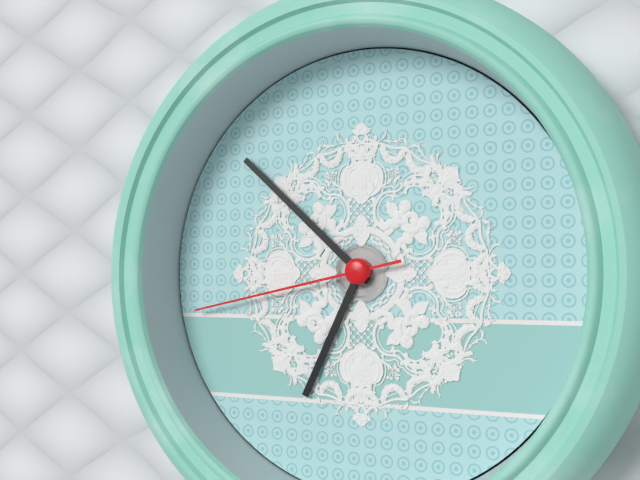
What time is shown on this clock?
6:52:43
